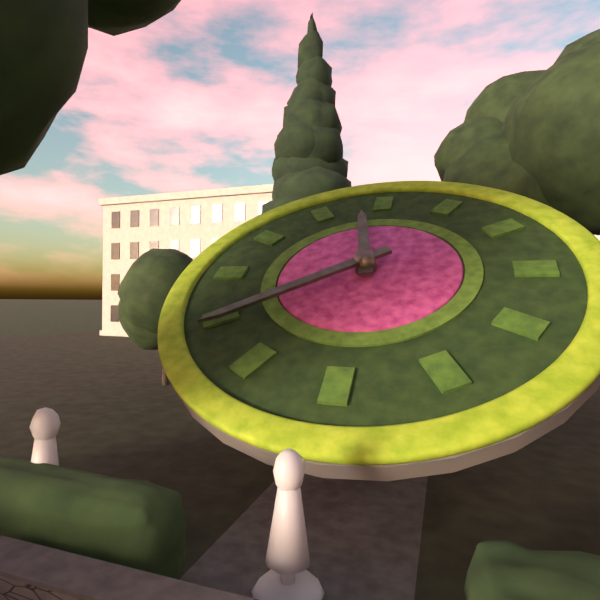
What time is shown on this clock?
11:39
